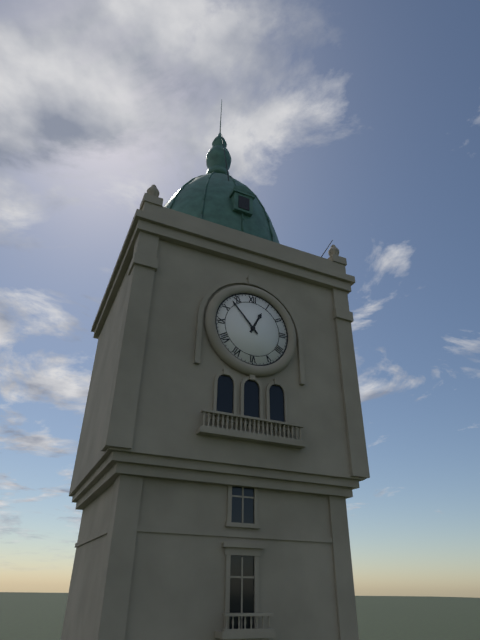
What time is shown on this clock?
12:53
